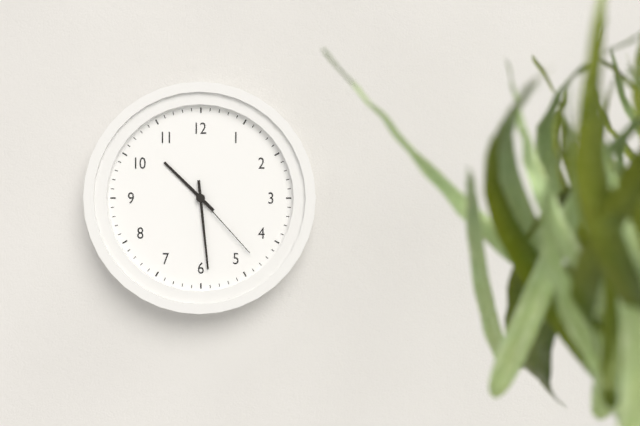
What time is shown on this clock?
10:29:23
